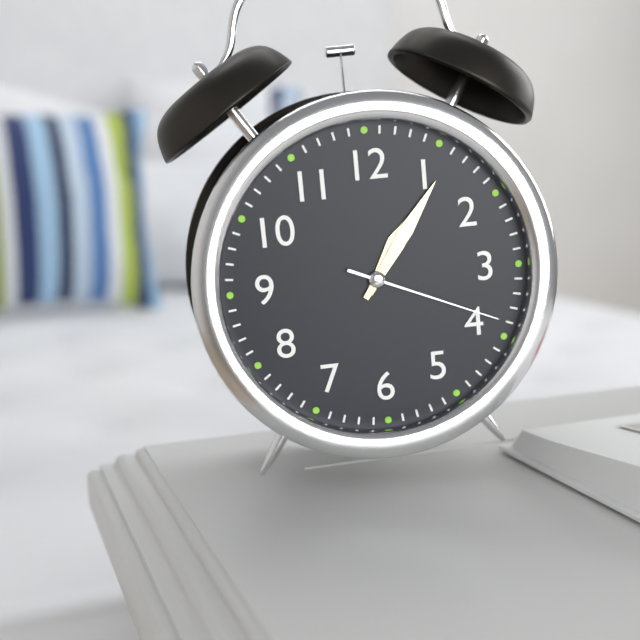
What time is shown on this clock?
1:06:19
